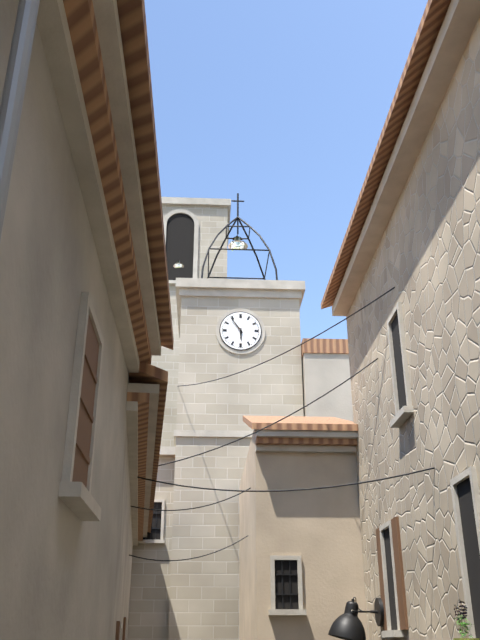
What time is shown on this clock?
5:54
